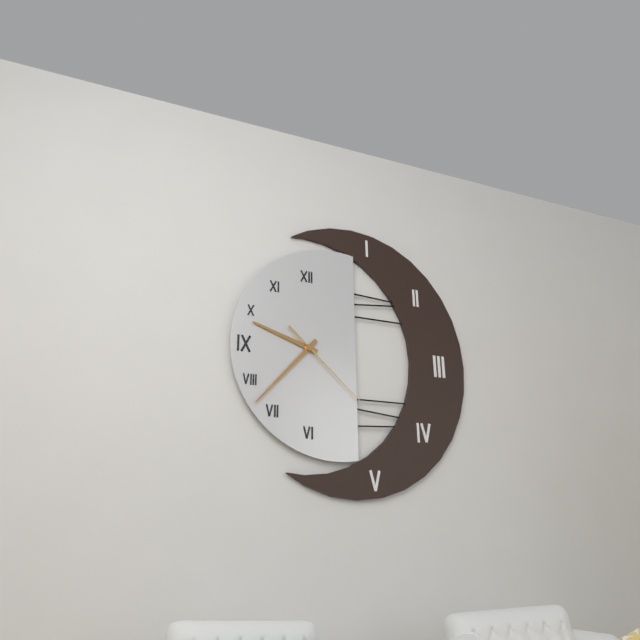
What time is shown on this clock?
9:37:22
